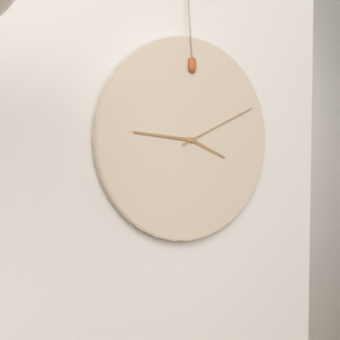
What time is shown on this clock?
3:46:11
